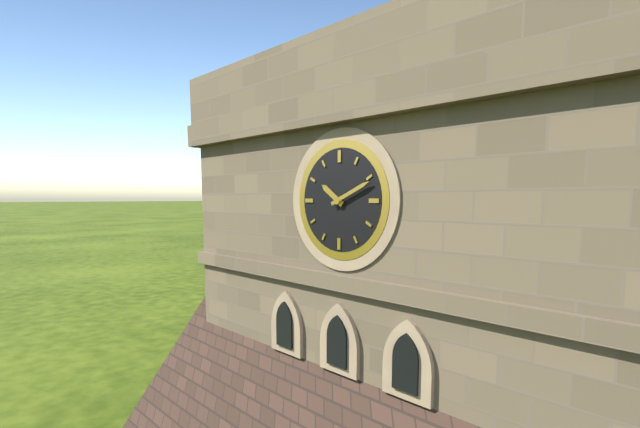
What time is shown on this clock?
10:11
